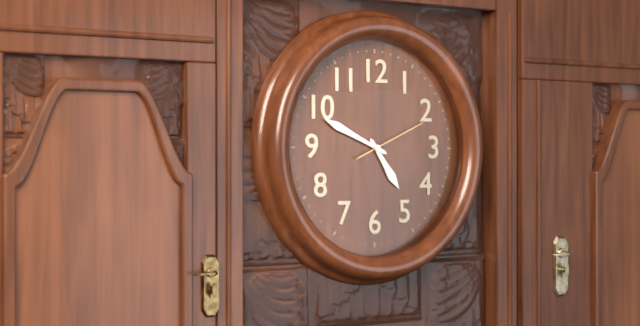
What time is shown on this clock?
4:49:11
